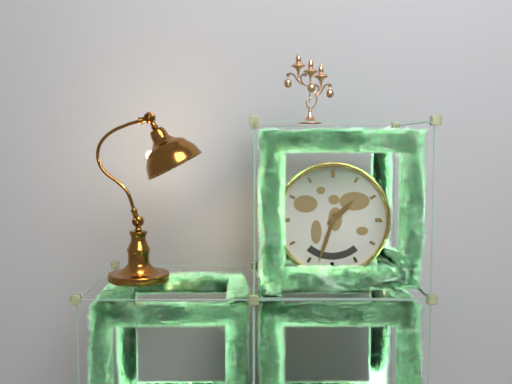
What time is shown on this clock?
1:33
